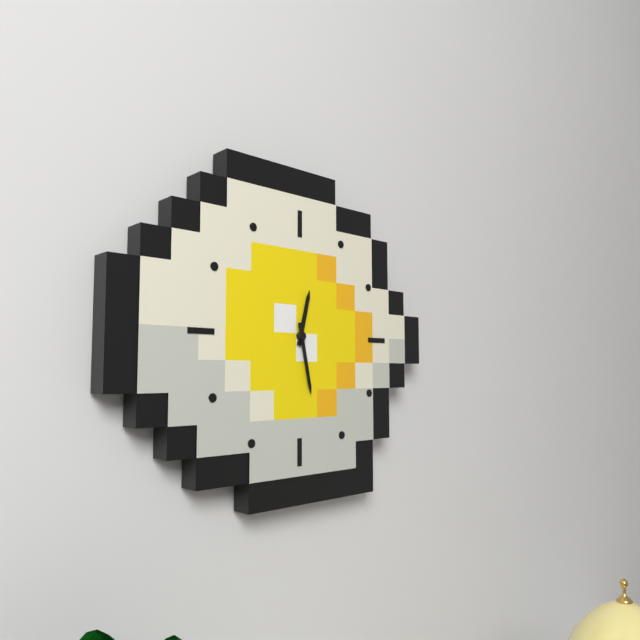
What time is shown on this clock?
12:28
